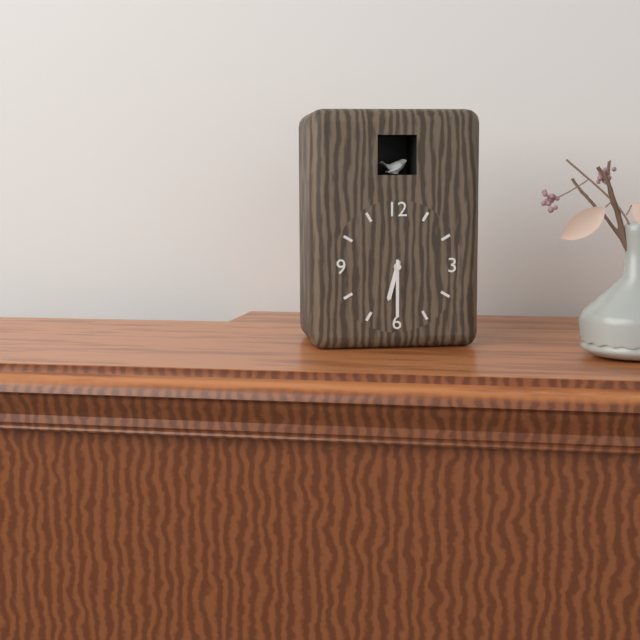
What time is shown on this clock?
6:30
